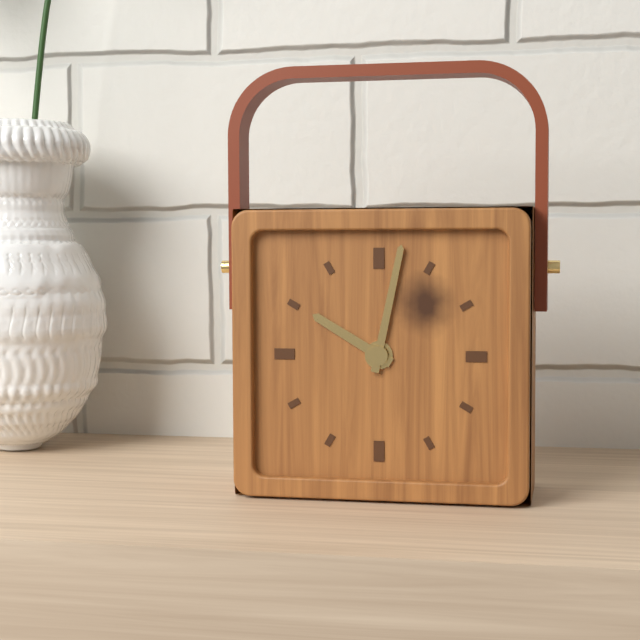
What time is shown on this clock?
10:02
